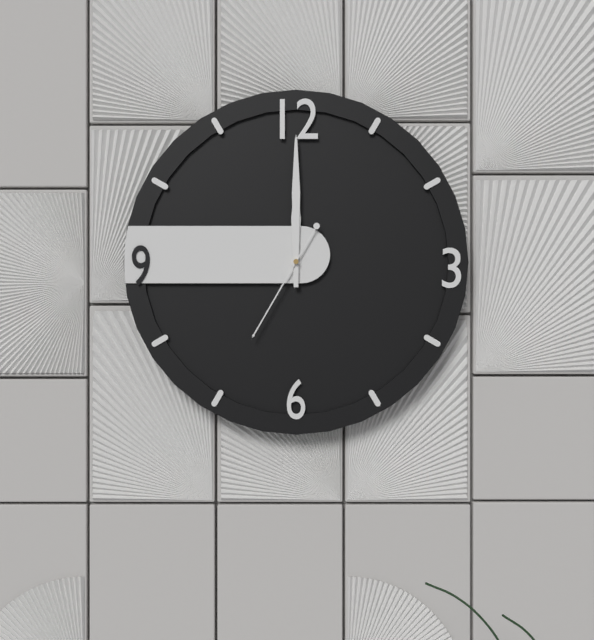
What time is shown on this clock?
12:00:35
